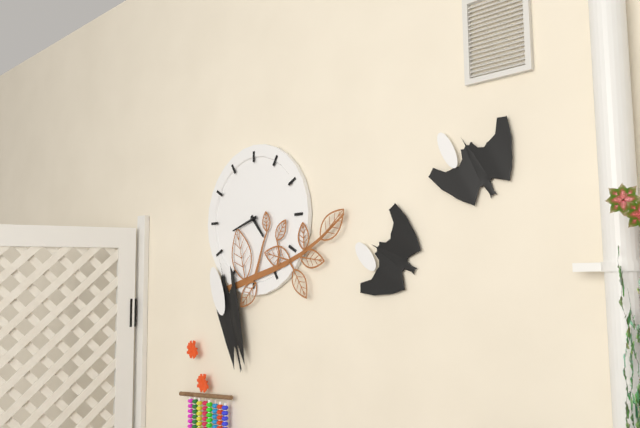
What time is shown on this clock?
4:42
